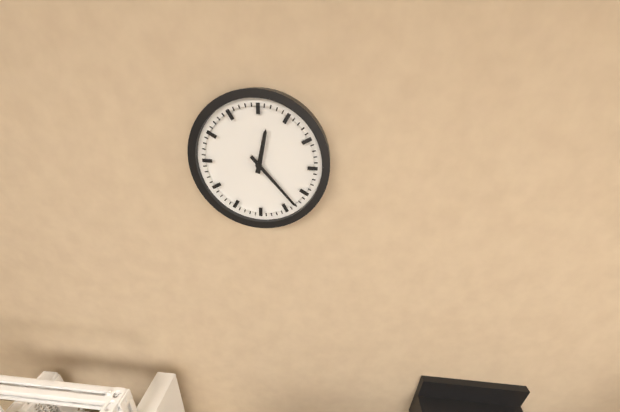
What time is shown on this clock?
12:23
